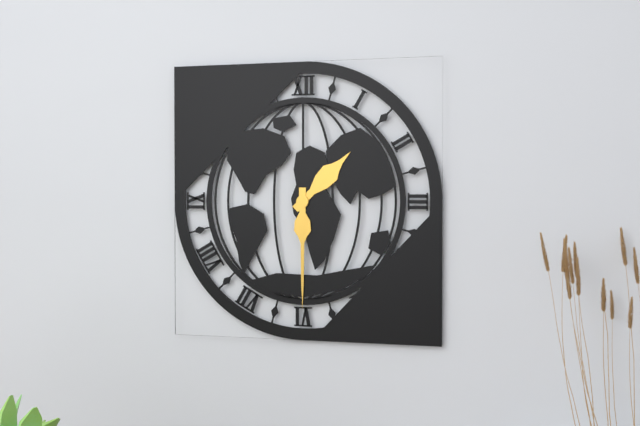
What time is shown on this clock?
1:30
